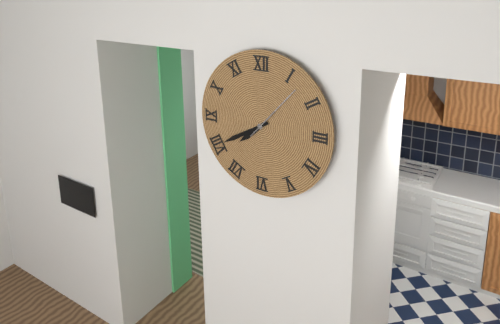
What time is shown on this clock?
7:40:07
